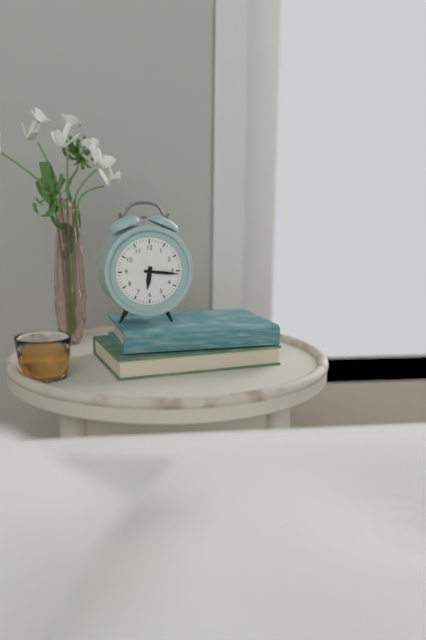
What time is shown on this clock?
6:16
